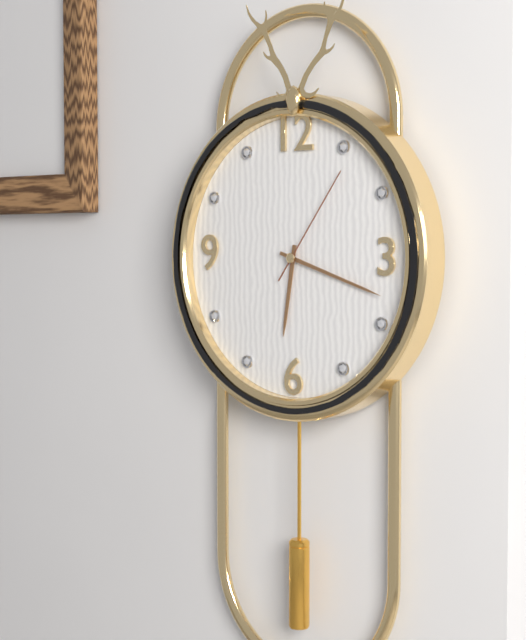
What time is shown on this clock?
6:18:06
